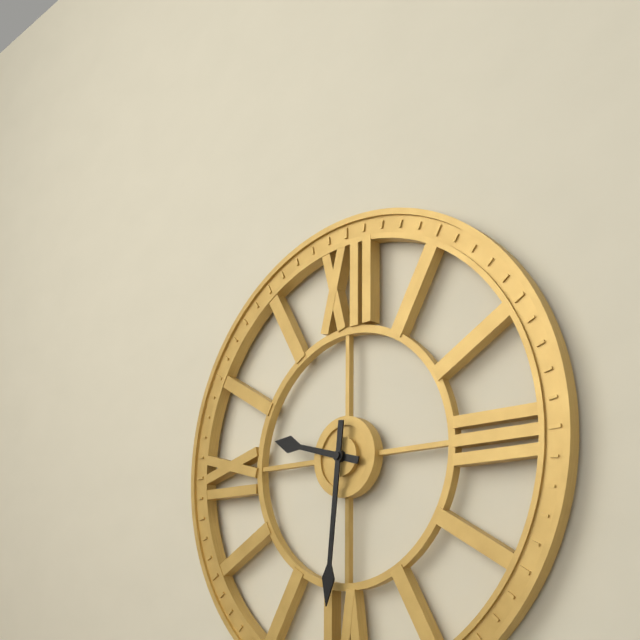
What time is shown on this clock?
9:31
